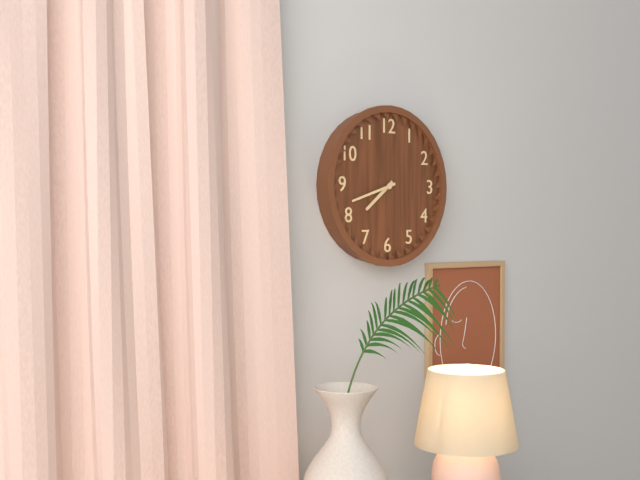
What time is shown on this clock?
7:42
